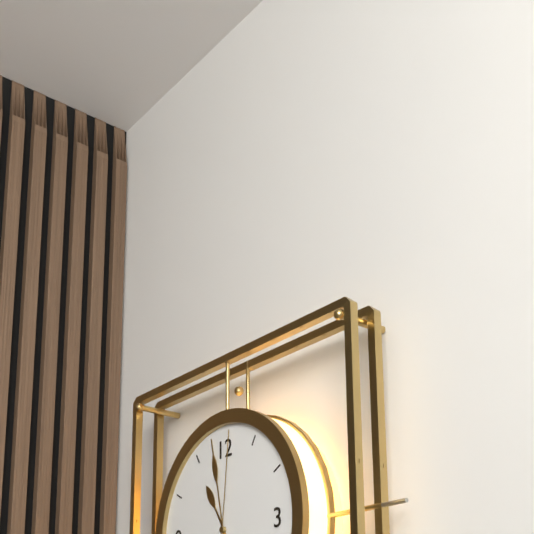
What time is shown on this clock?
10:58:01
